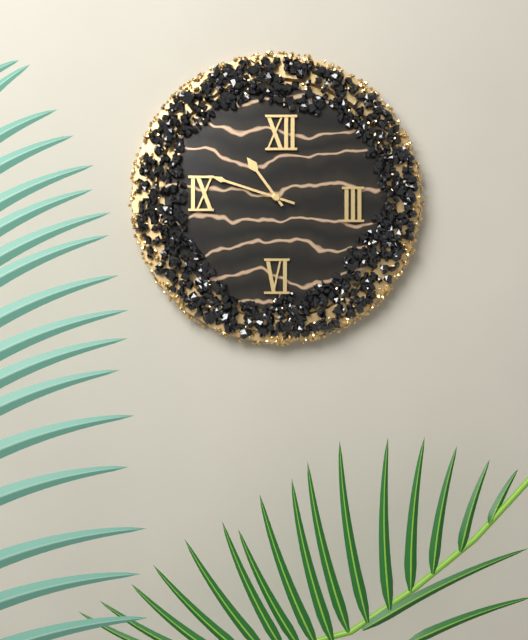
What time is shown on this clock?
10:48
